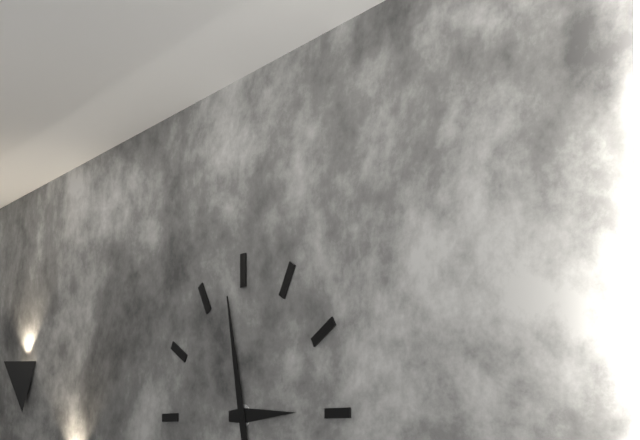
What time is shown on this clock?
2:58
